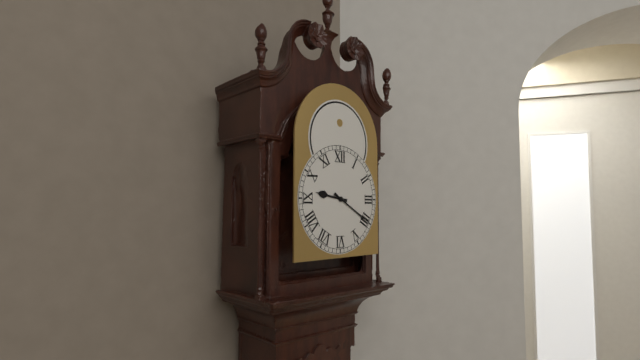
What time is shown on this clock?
9:20
